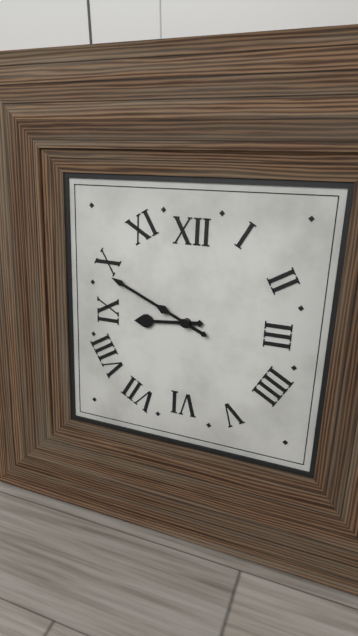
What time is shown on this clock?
8:49
